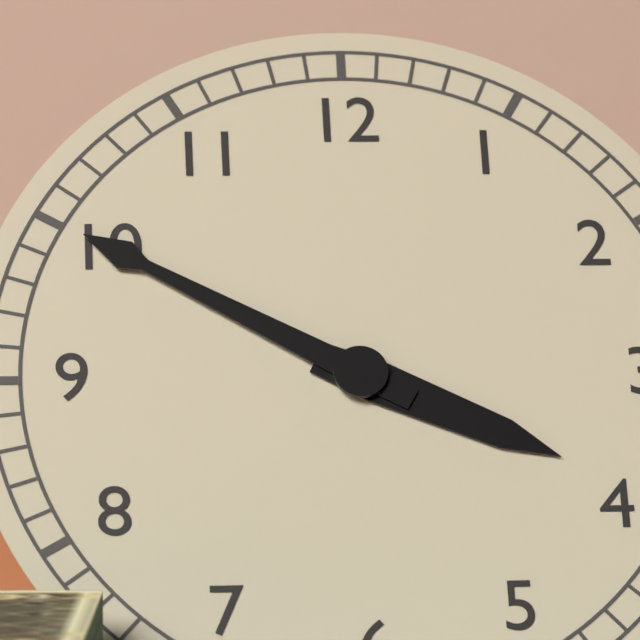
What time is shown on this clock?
3:50
